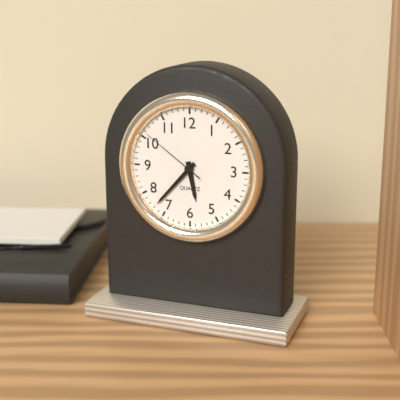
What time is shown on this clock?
5:37:51
